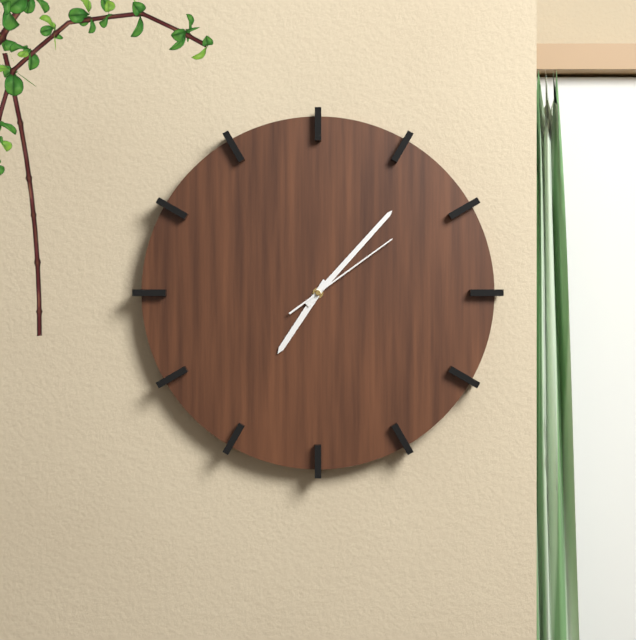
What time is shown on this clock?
7:07:09
